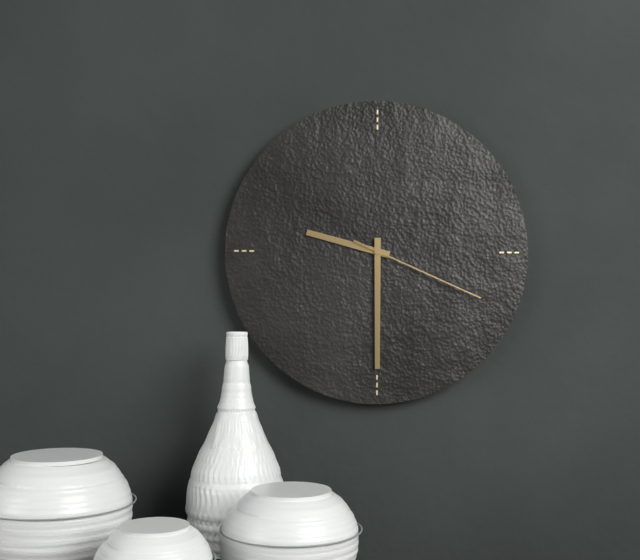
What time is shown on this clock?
9:30:19
